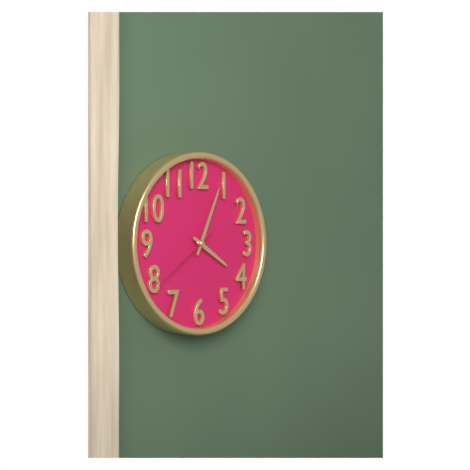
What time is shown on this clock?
4:04:39
